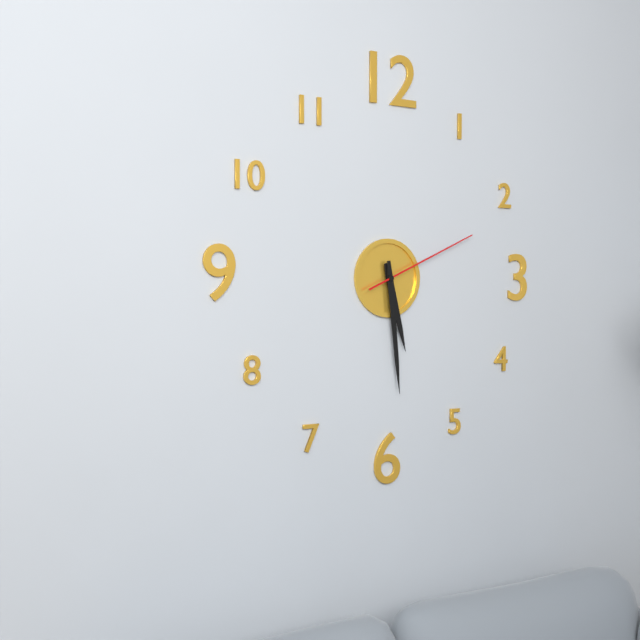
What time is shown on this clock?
5:29:11
